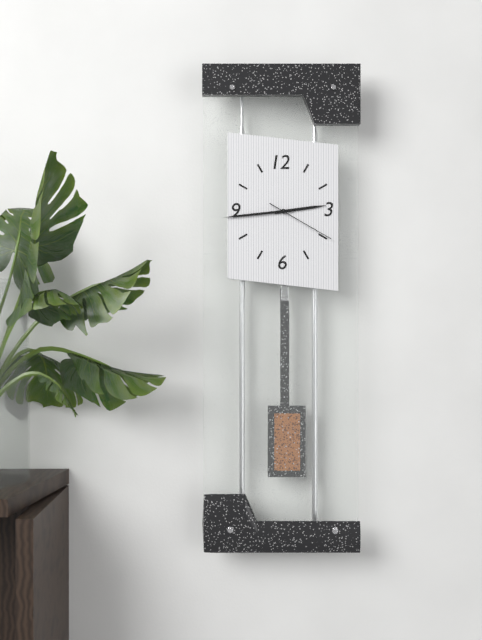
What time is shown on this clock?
2:44:20
